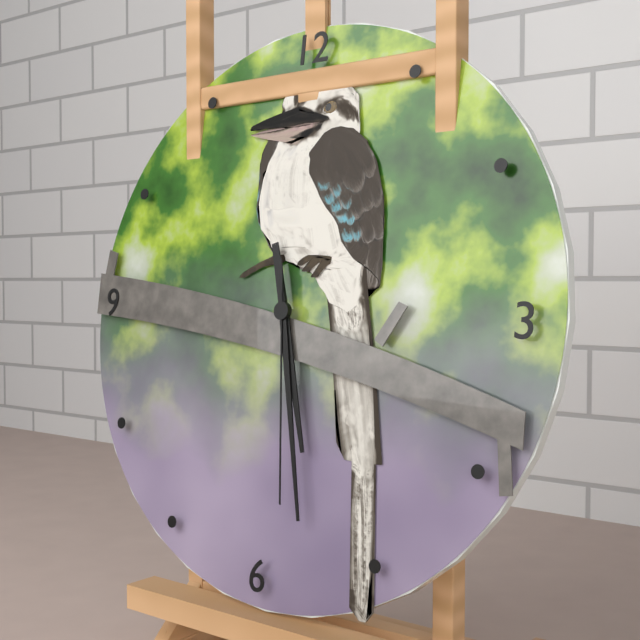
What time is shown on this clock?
5:28:29
